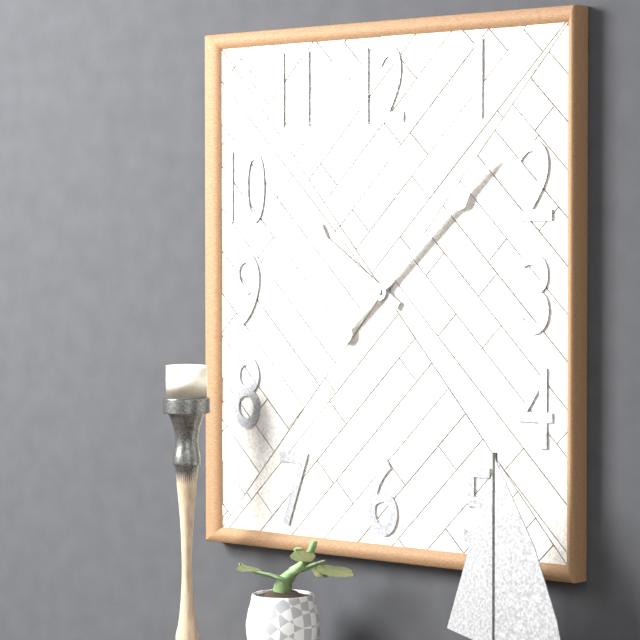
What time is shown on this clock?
10:08
